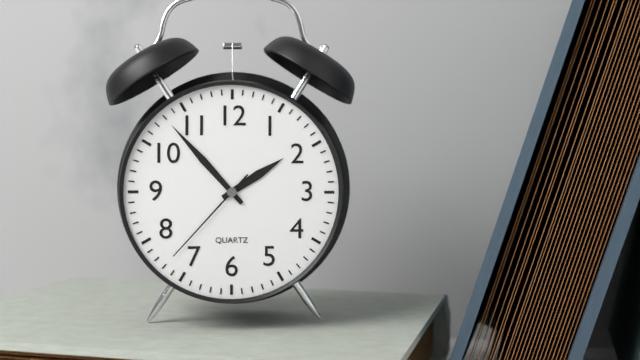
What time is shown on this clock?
1:53:37
